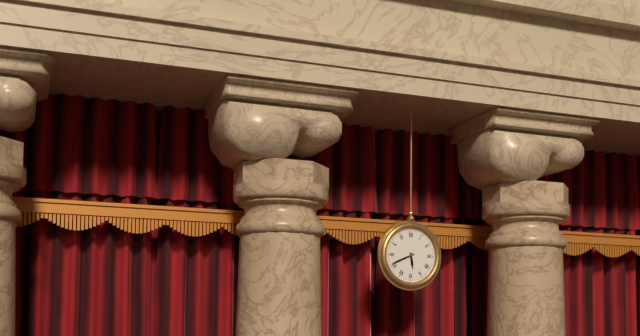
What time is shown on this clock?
5:41
